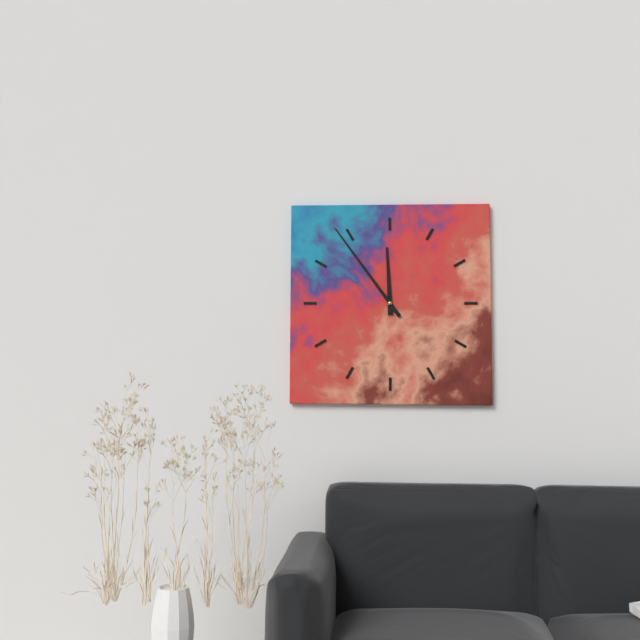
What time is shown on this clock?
11:54
